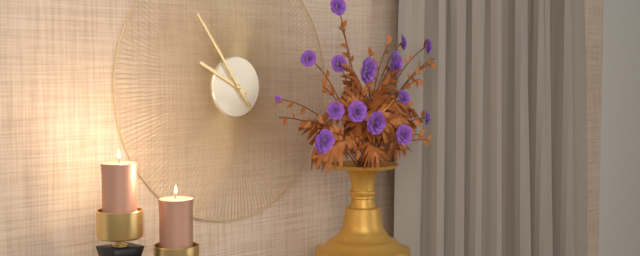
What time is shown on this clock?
9:54
